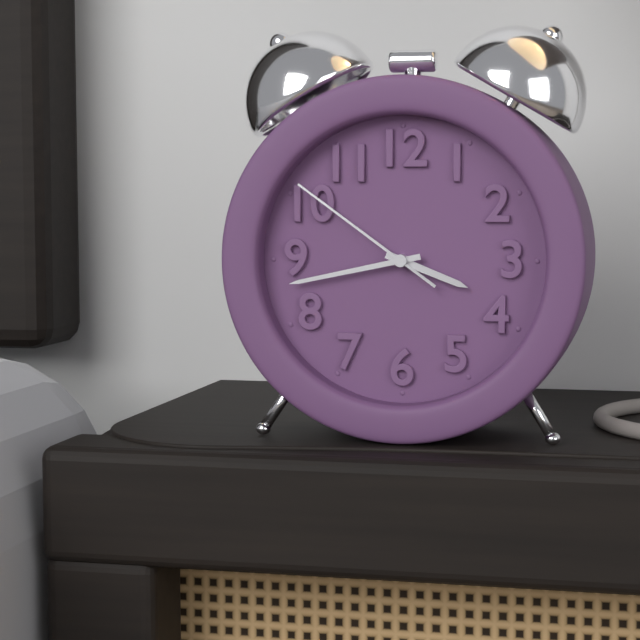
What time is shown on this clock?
3:43:51
